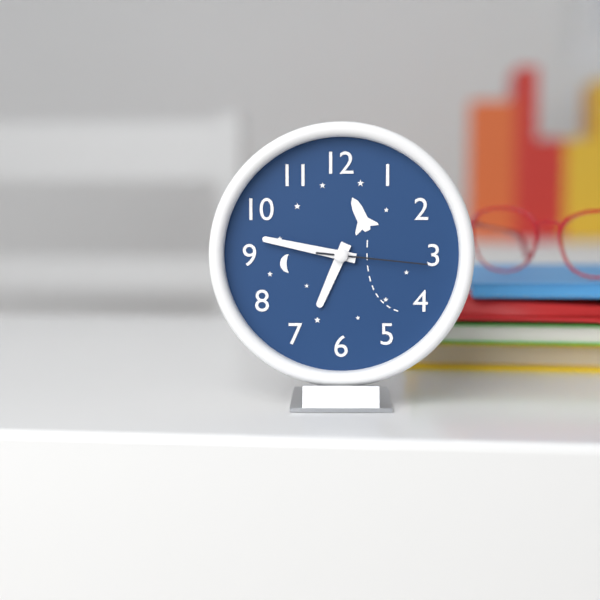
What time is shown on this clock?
6:47:16
